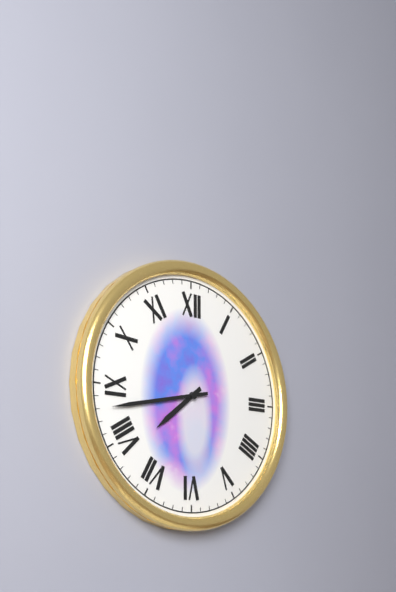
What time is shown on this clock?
7:43
